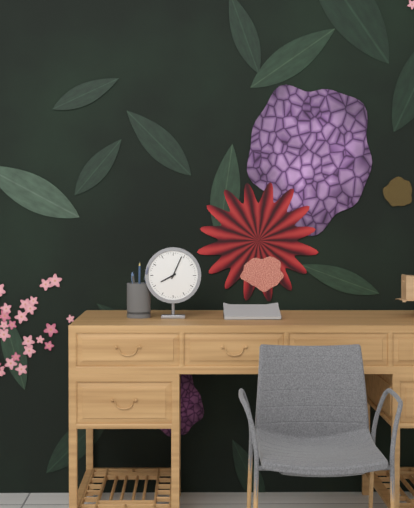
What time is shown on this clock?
8:04
